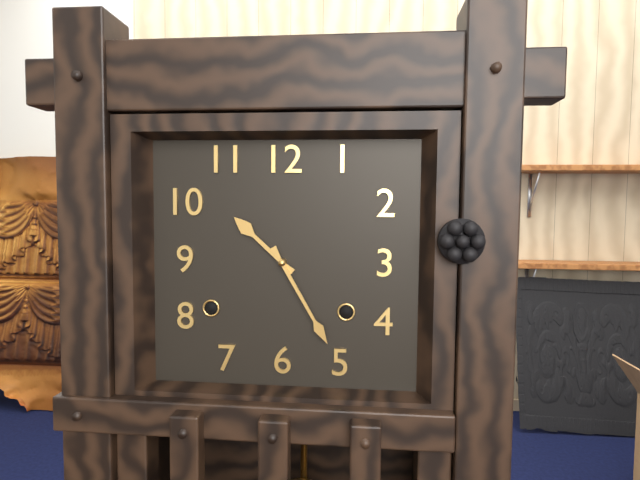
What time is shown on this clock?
10:25
